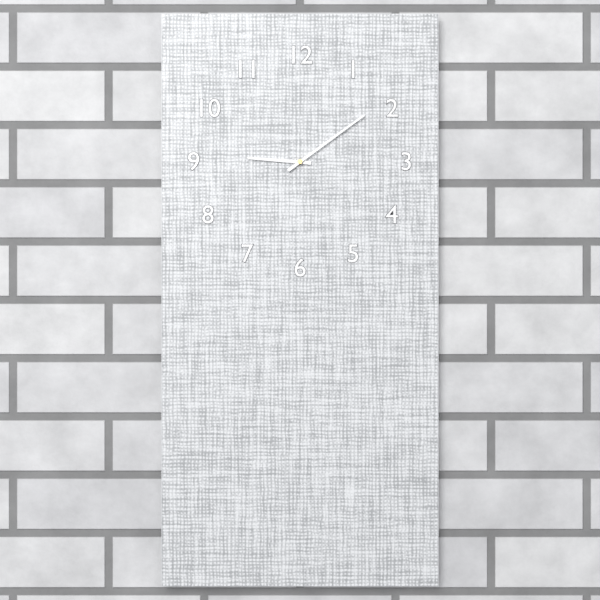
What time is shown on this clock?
9:09
